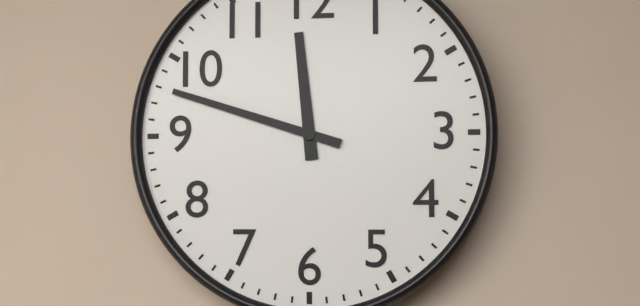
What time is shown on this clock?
11:48
